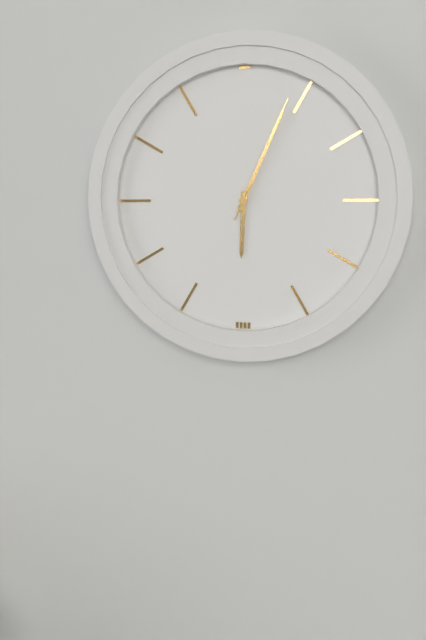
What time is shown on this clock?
6:04:04
